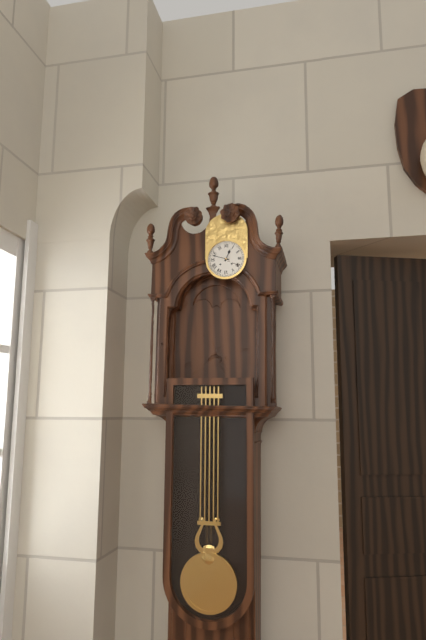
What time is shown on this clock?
12:48
